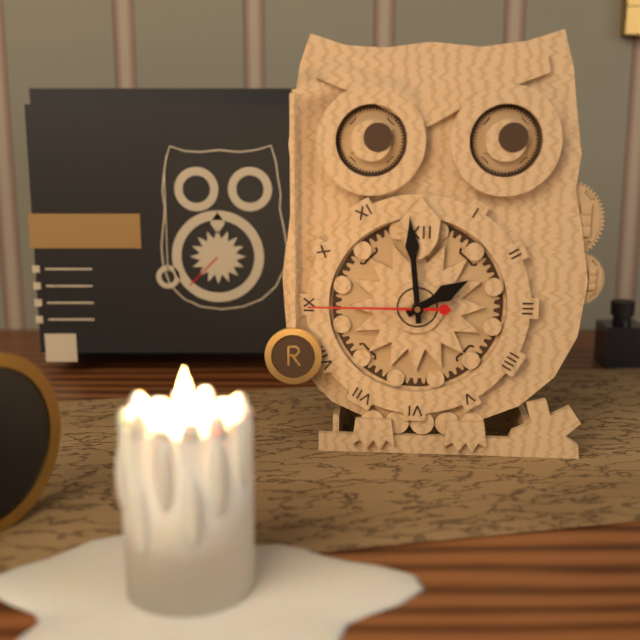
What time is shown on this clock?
1:59:45
